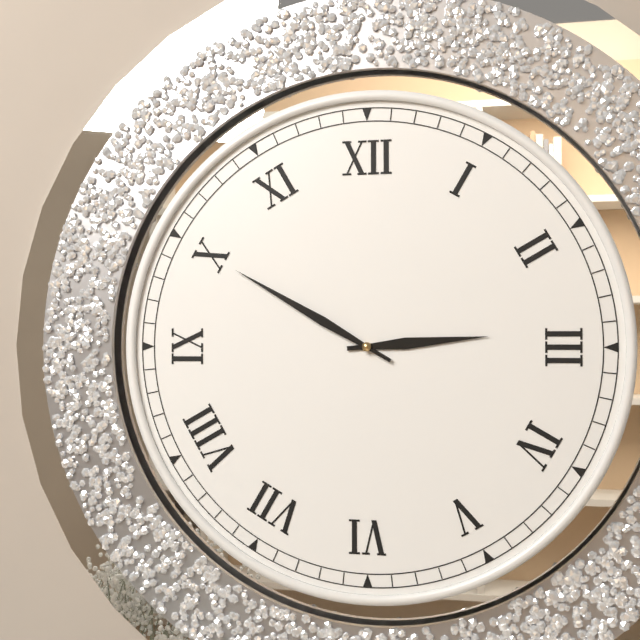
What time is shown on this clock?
2:50
